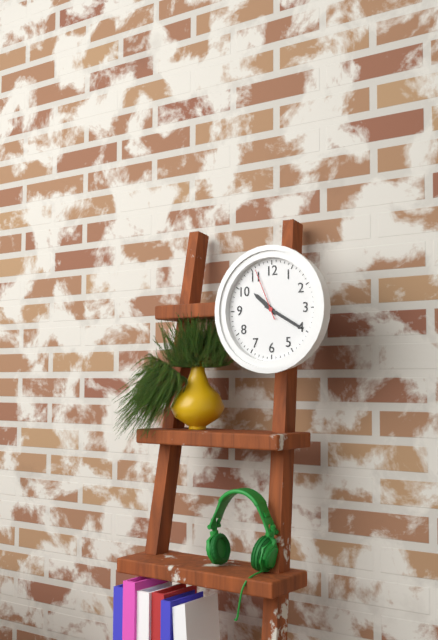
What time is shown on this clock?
10:20:56
